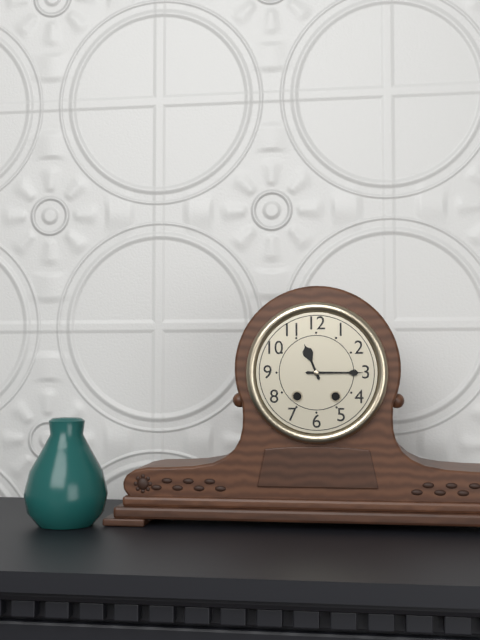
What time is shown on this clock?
11:15
